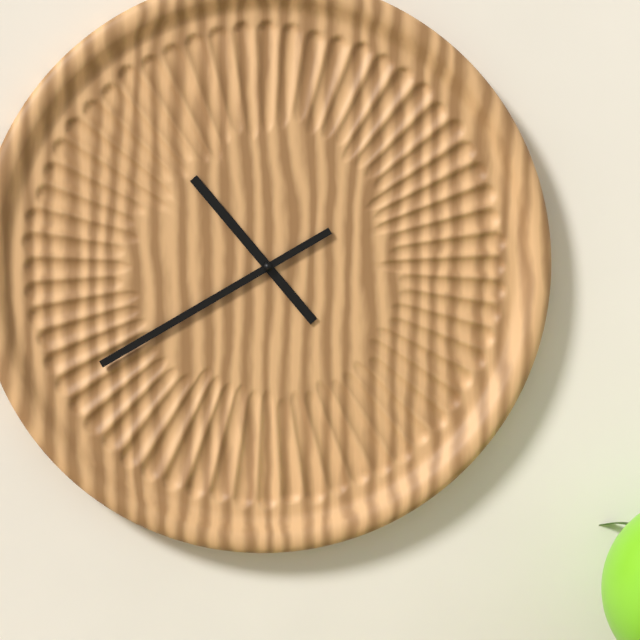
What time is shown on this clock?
10:40
